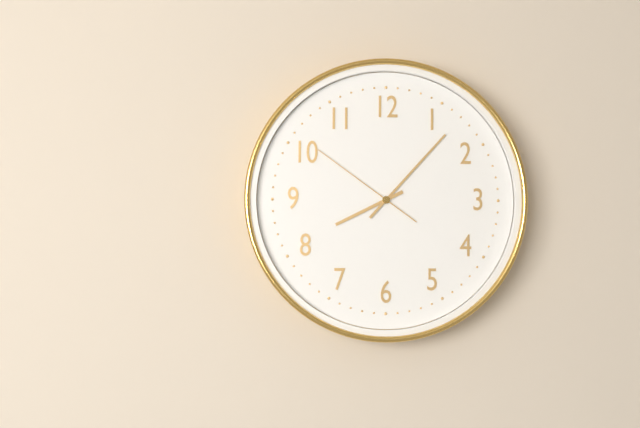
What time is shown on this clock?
8:07:51
